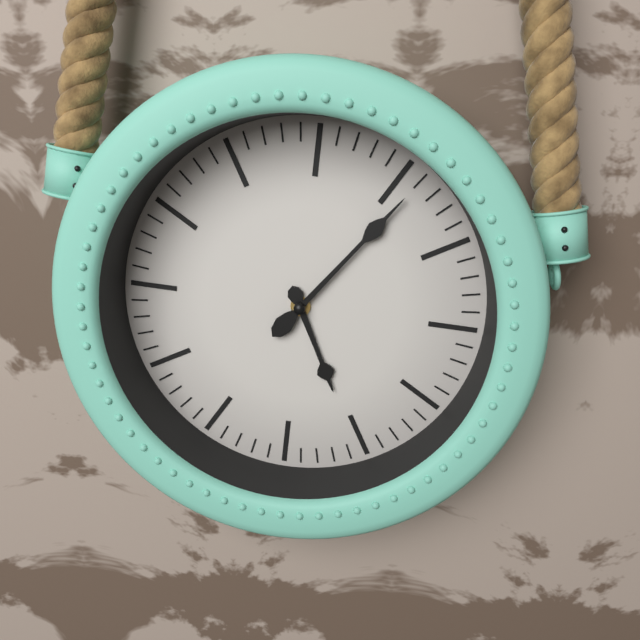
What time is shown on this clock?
5:06
